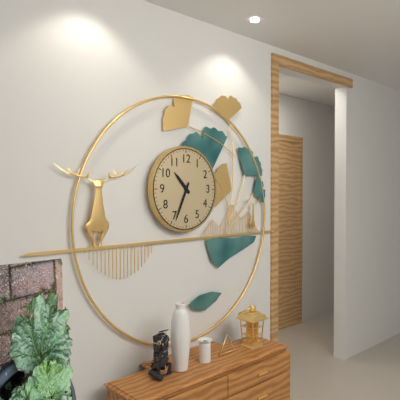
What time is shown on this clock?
10:34
